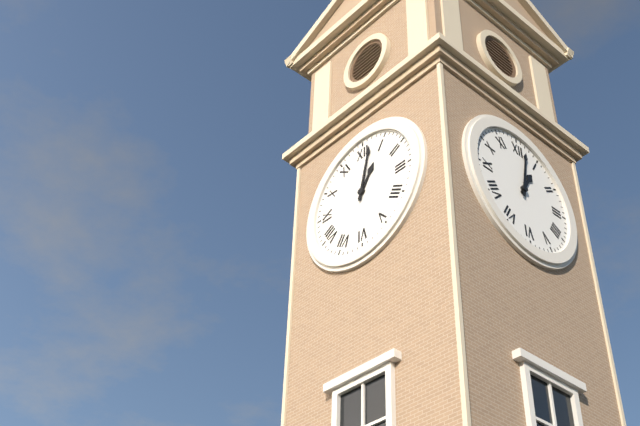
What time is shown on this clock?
1:02
